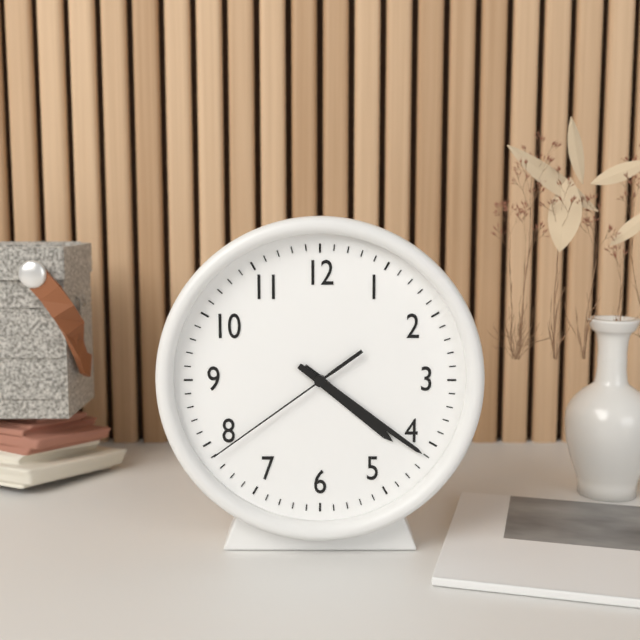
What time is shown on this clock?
4:21:39
